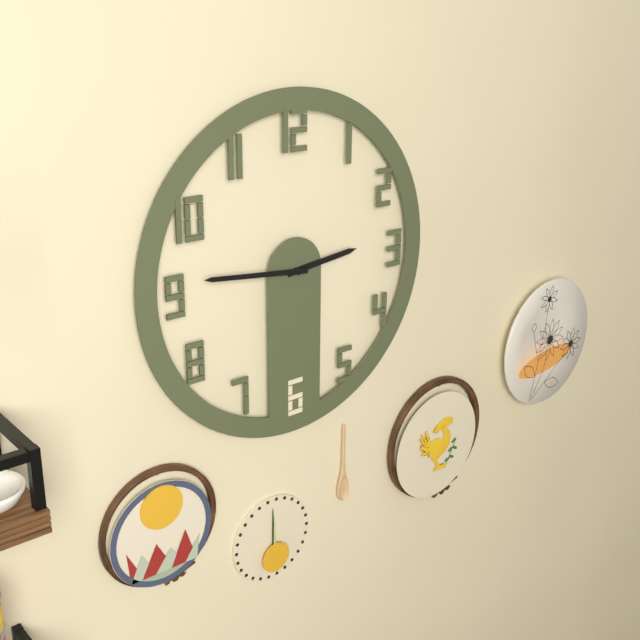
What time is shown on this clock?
2:46
